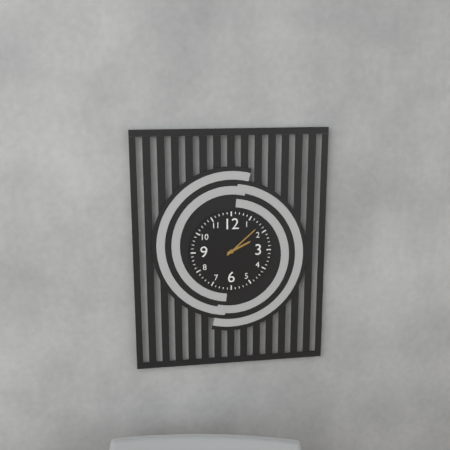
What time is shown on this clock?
2:08
